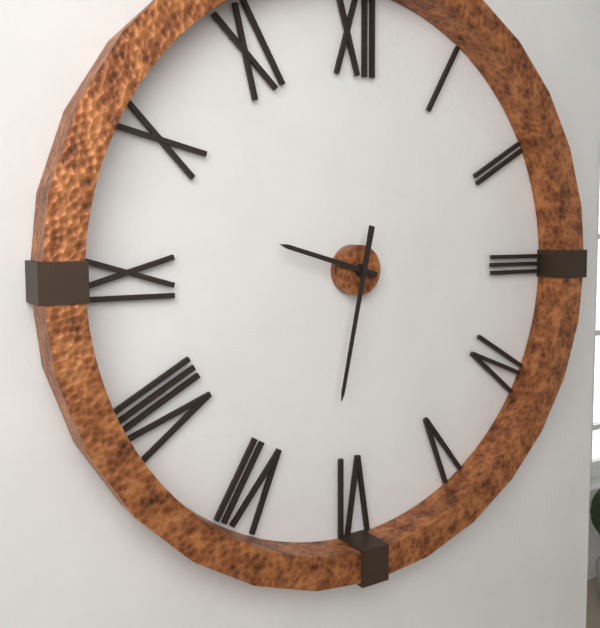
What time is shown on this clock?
9:32
